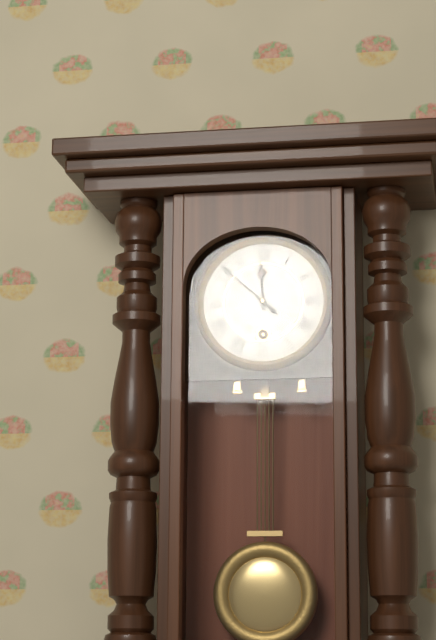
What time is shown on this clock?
11:52
